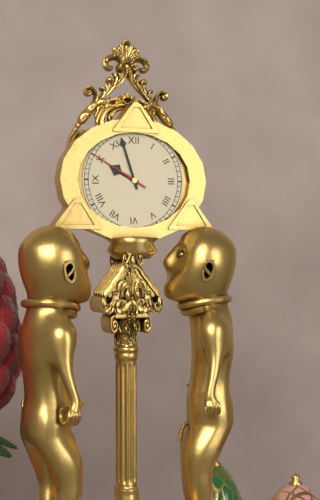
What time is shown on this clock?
9:57:50
